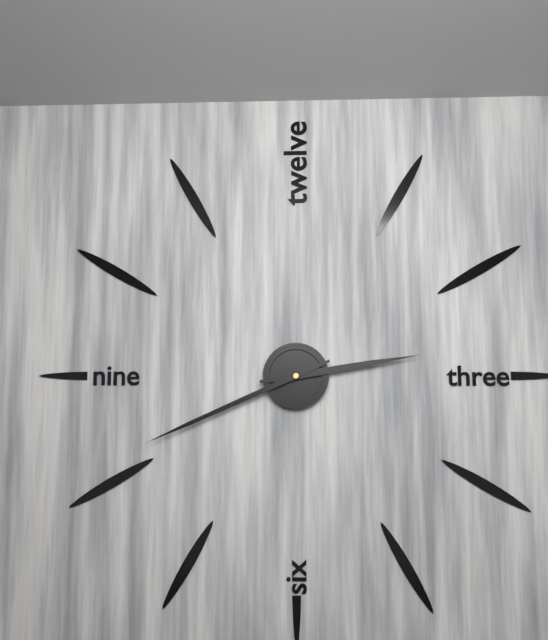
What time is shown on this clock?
2:41
